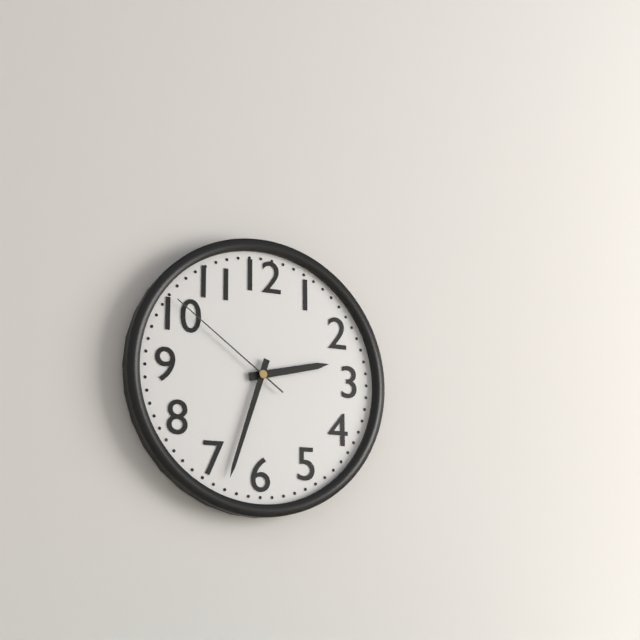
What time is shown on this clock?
2:33:51
